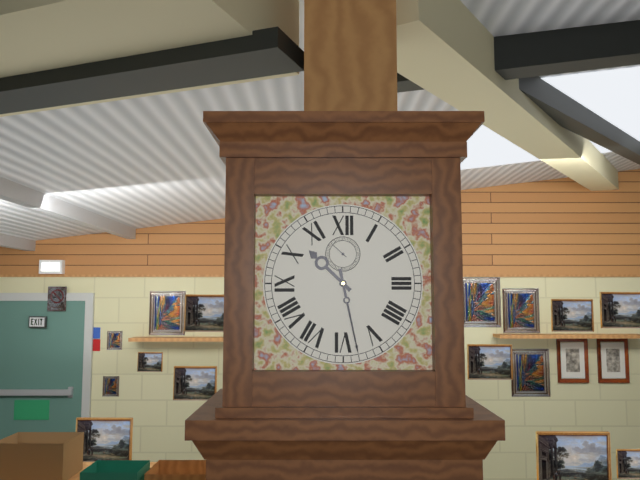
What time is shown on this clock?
10:28
